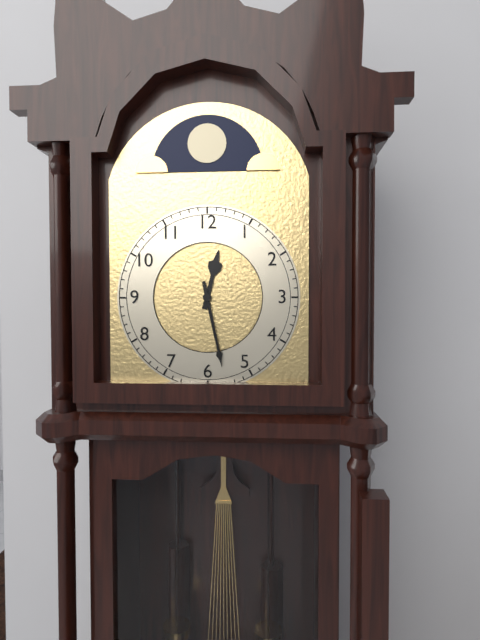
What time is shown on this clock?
12:28
